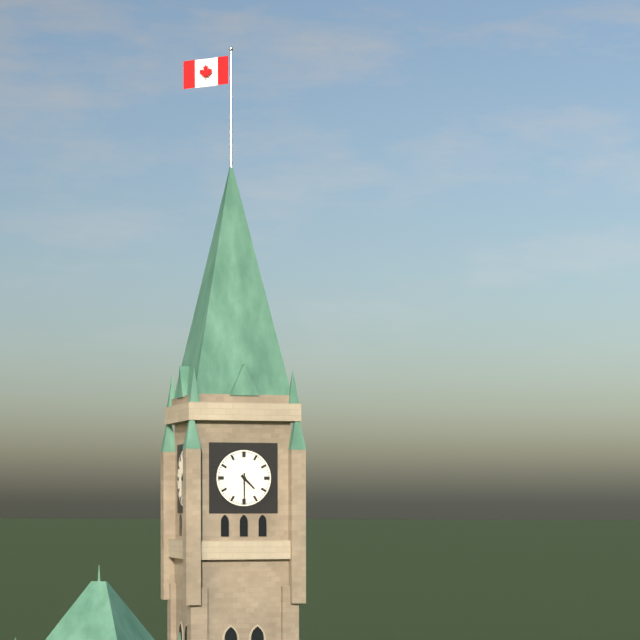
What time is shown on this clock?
4:30
